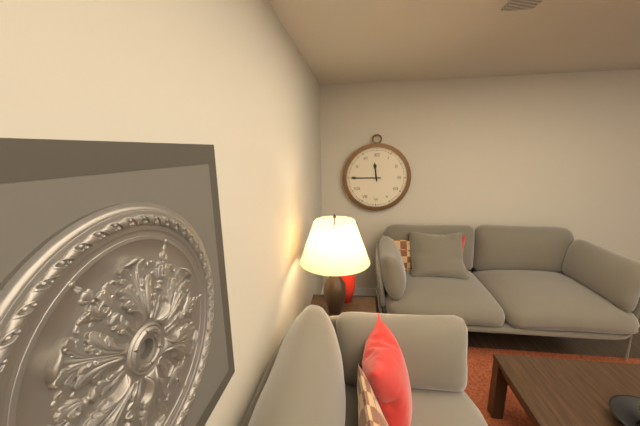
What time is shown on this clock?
11:45
